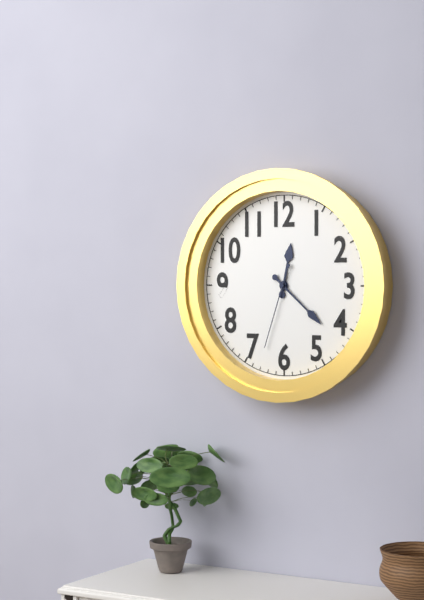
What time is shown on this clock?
12:22:33
